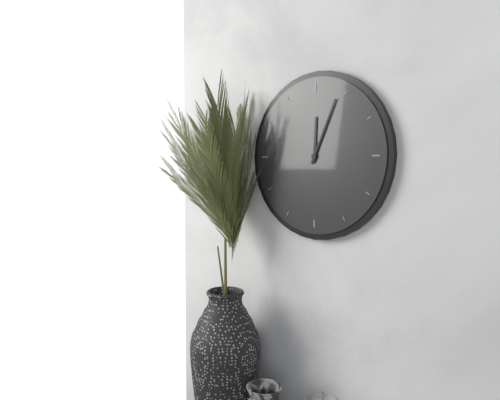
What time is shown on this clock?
12:04
